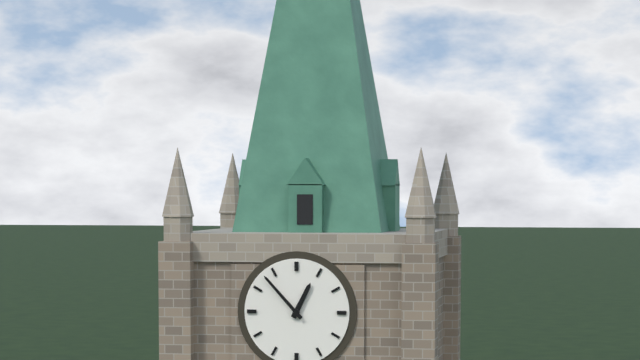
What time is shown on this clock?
12:53
